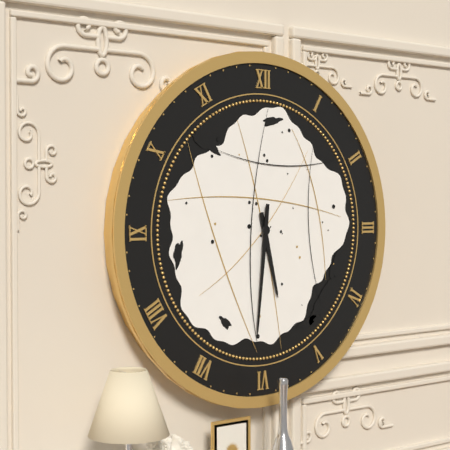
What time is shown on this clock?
5:31
